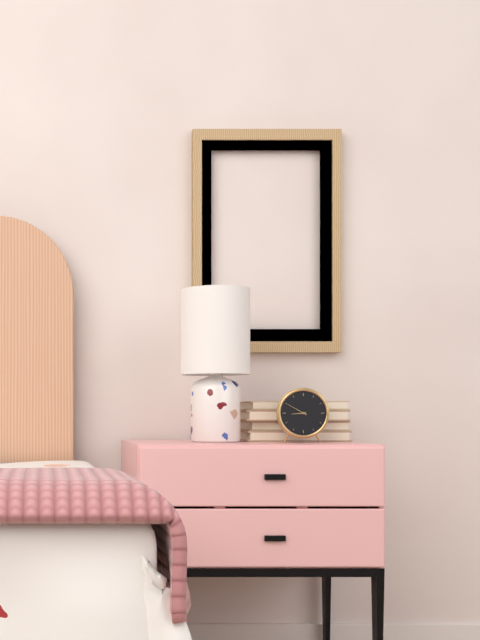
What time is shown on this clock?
8:50
